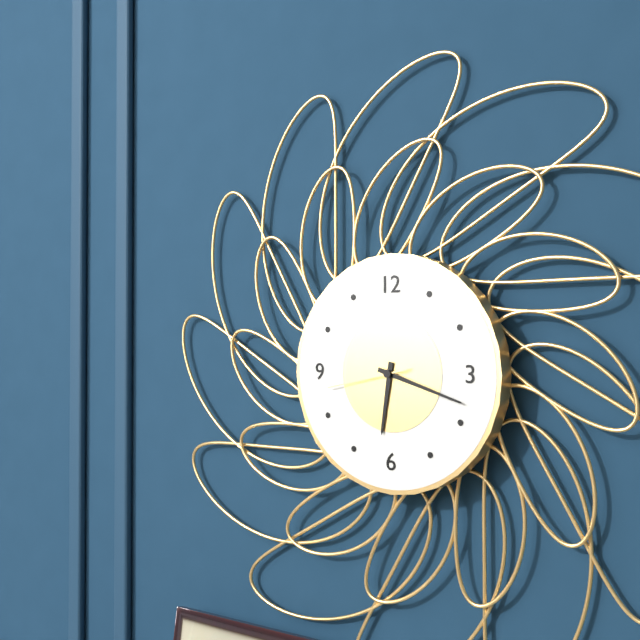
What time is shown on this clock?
6:18:43
